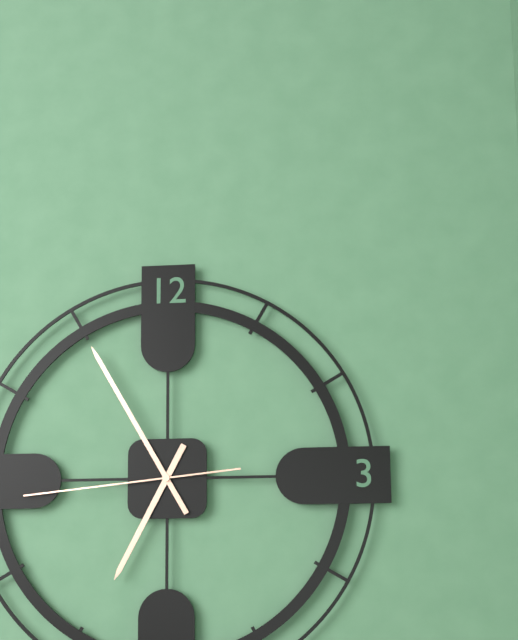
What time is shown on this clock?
6:55:44
